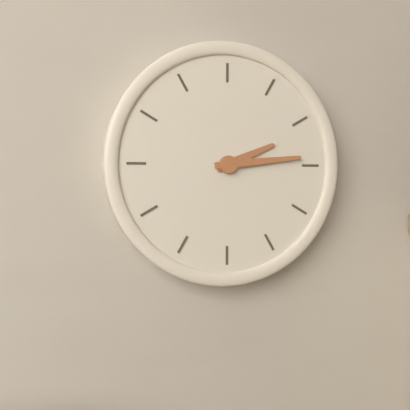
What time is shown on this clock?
2:14
